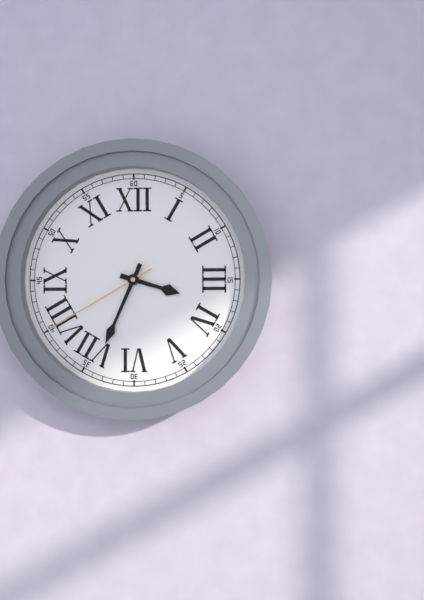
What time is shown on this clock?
3:34:40
